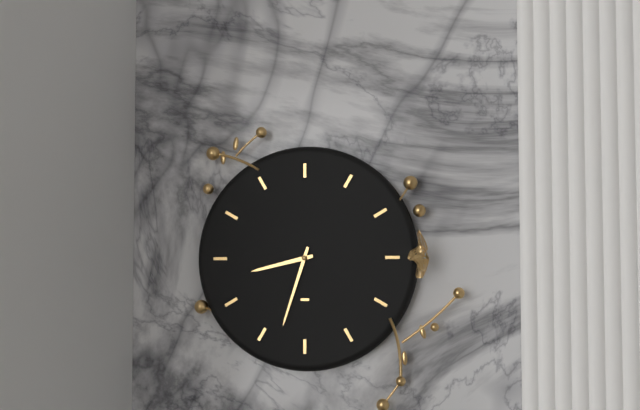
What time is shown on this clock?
8:33
